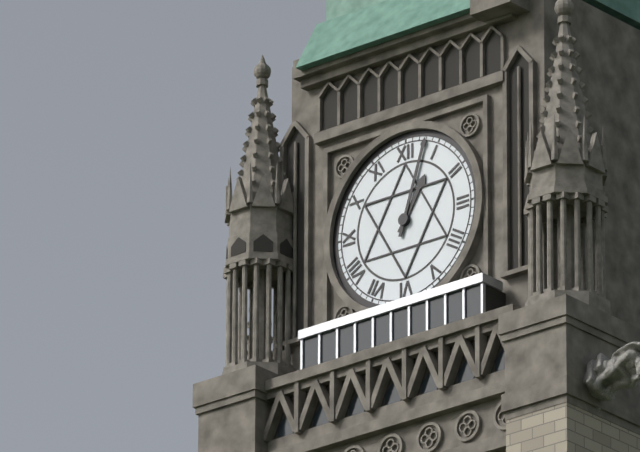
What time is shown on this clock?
1:03
